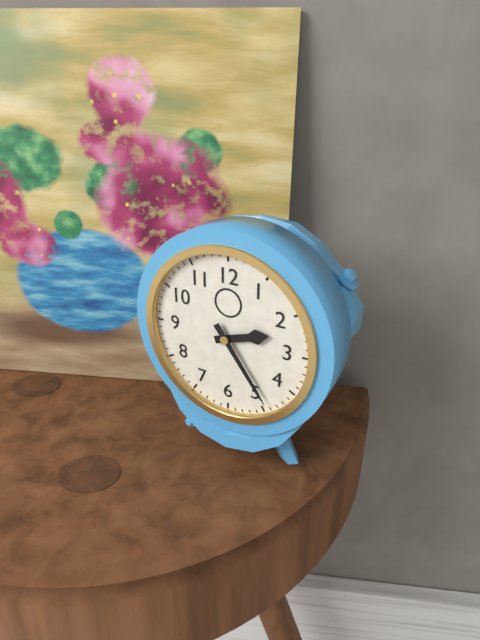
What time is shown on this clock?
2:24
